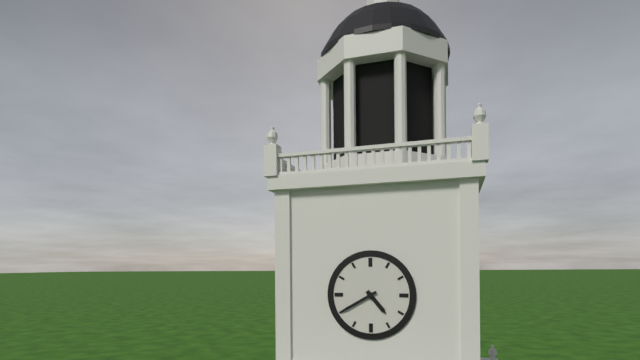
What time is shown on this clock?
4:40
